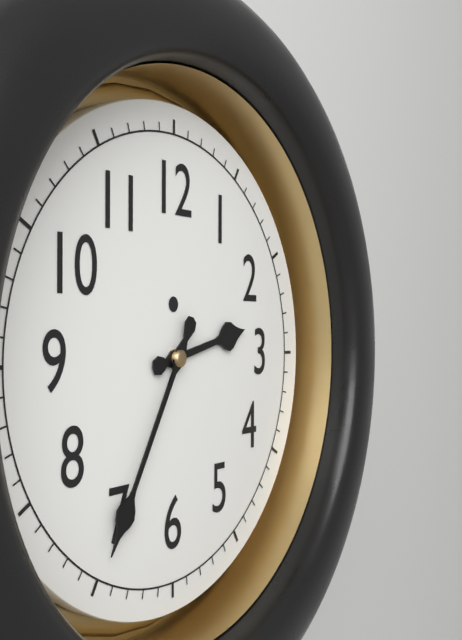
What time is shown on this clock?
2:35
